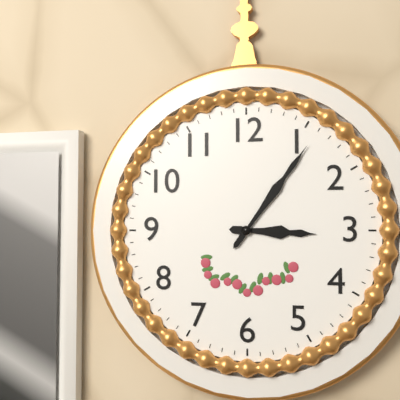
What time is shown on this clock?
3:06
